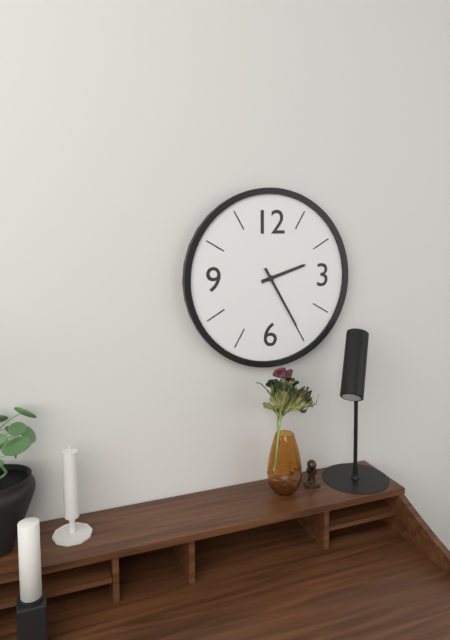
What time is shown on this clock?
2:25
